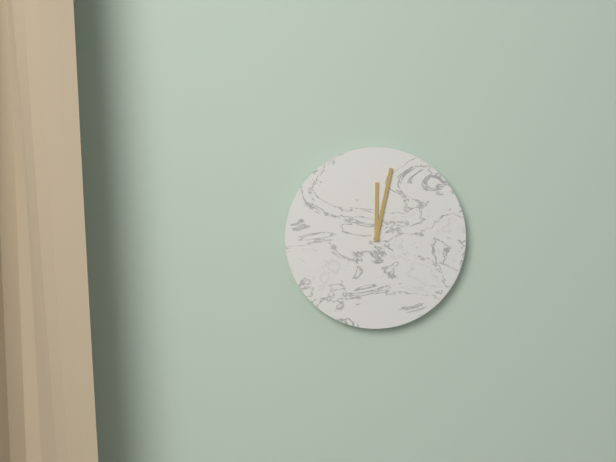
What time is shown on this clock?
12:02
